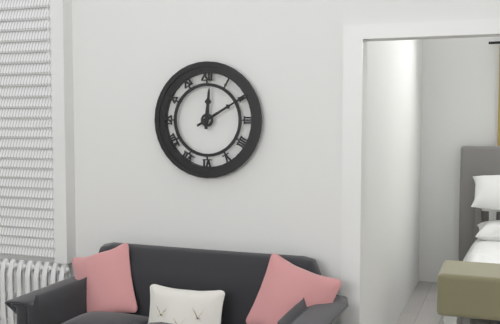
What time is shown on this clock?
12:10
